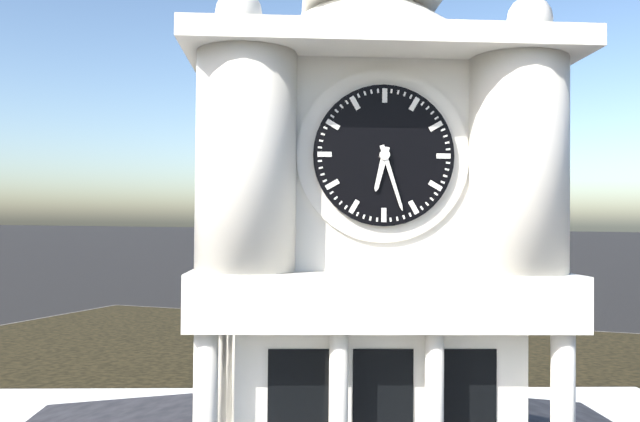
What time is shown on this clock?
6:27
